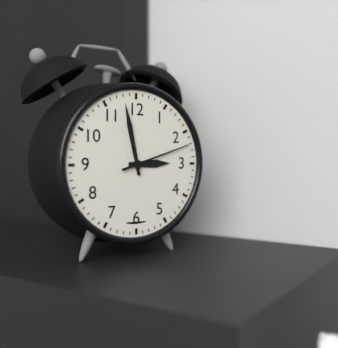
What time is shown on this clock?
2:58:12
